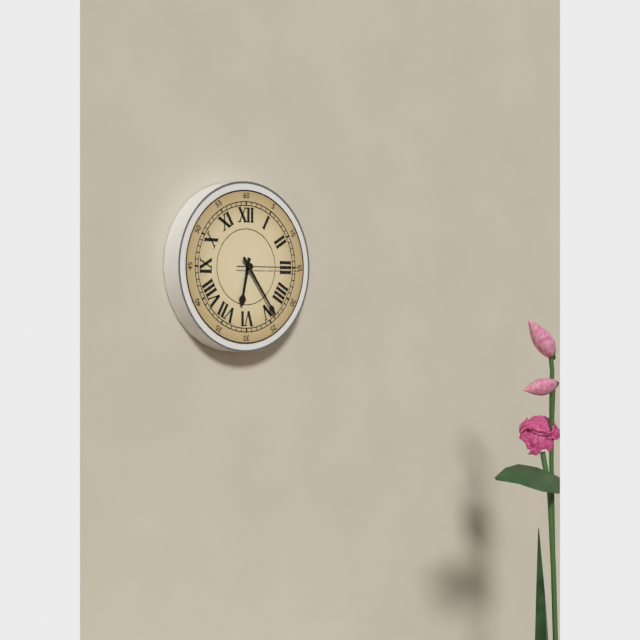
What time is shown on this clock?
6:24:15
